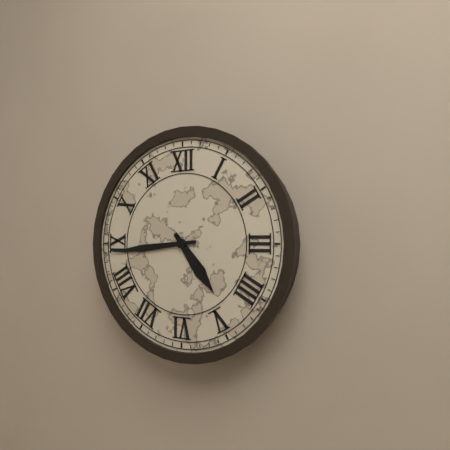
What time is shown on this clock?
4:44
